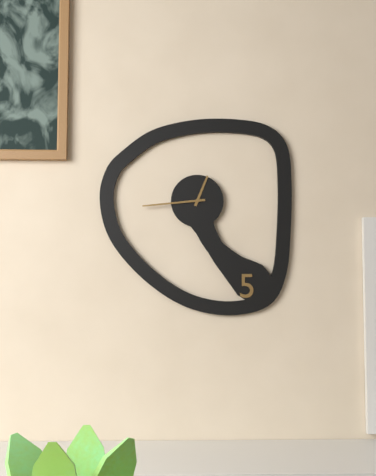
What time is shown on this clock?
12:44
